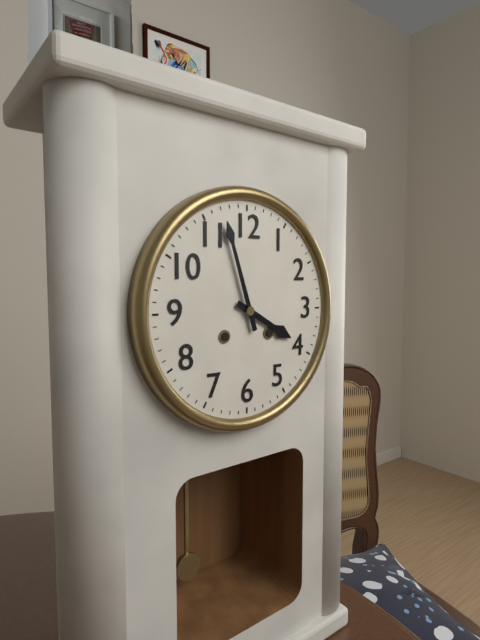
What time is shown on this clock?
3:57
